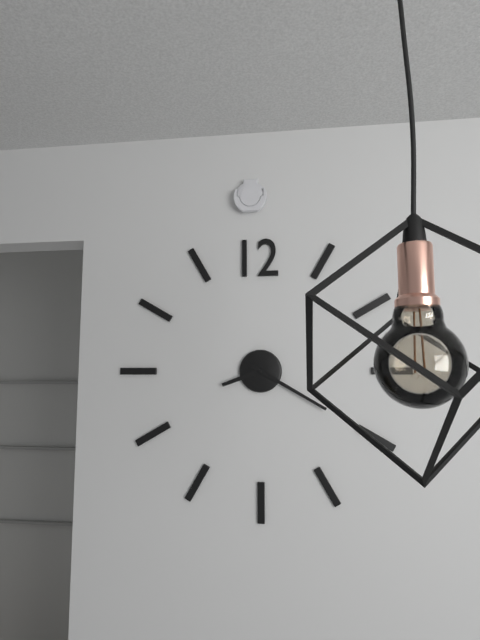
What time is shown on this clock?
8:20
